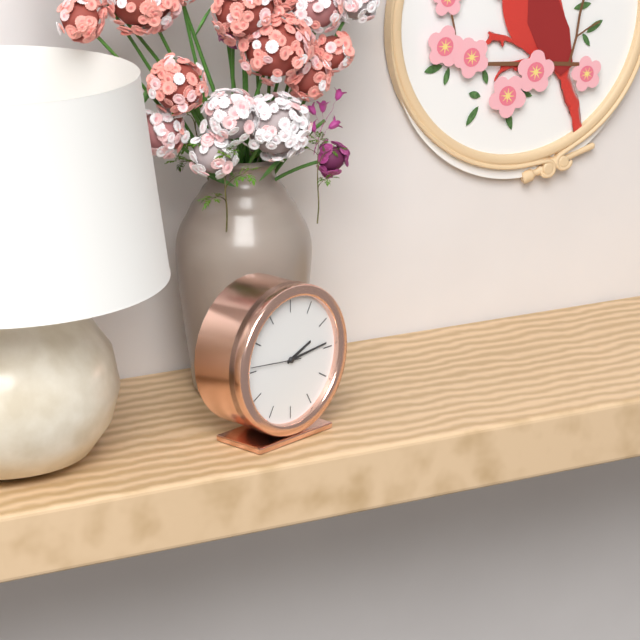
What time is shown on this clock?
2:14:46
